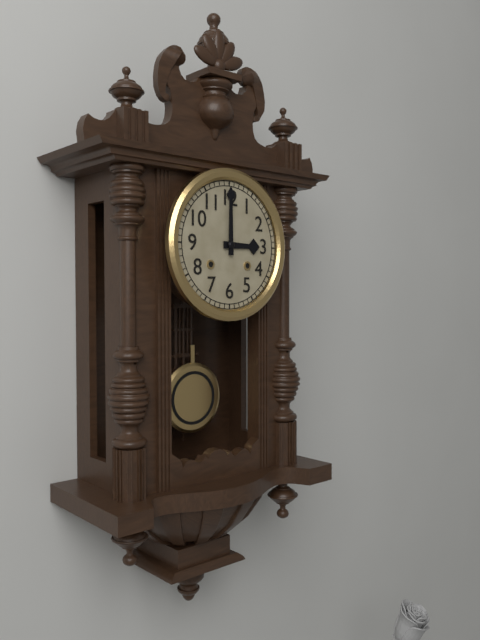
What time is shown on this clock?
3:00
